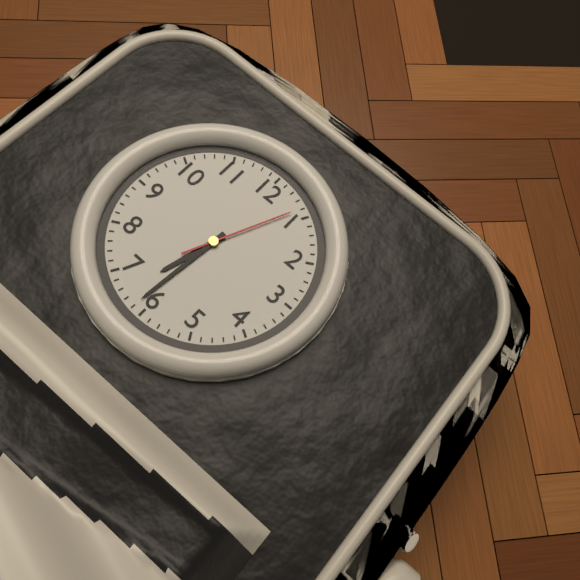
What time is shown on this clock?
6:31:04
